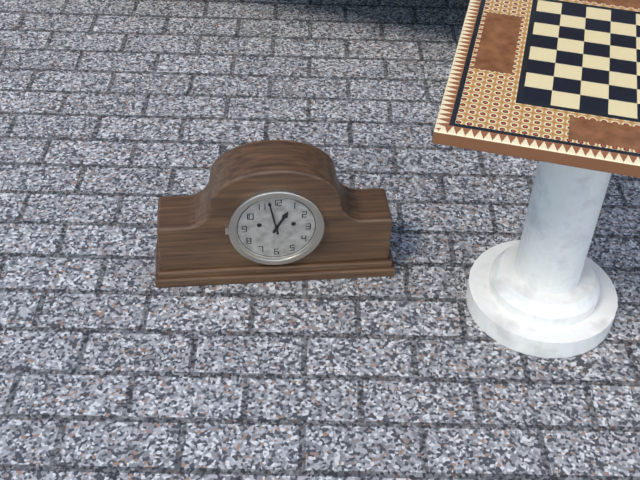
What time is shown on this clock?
12:58
